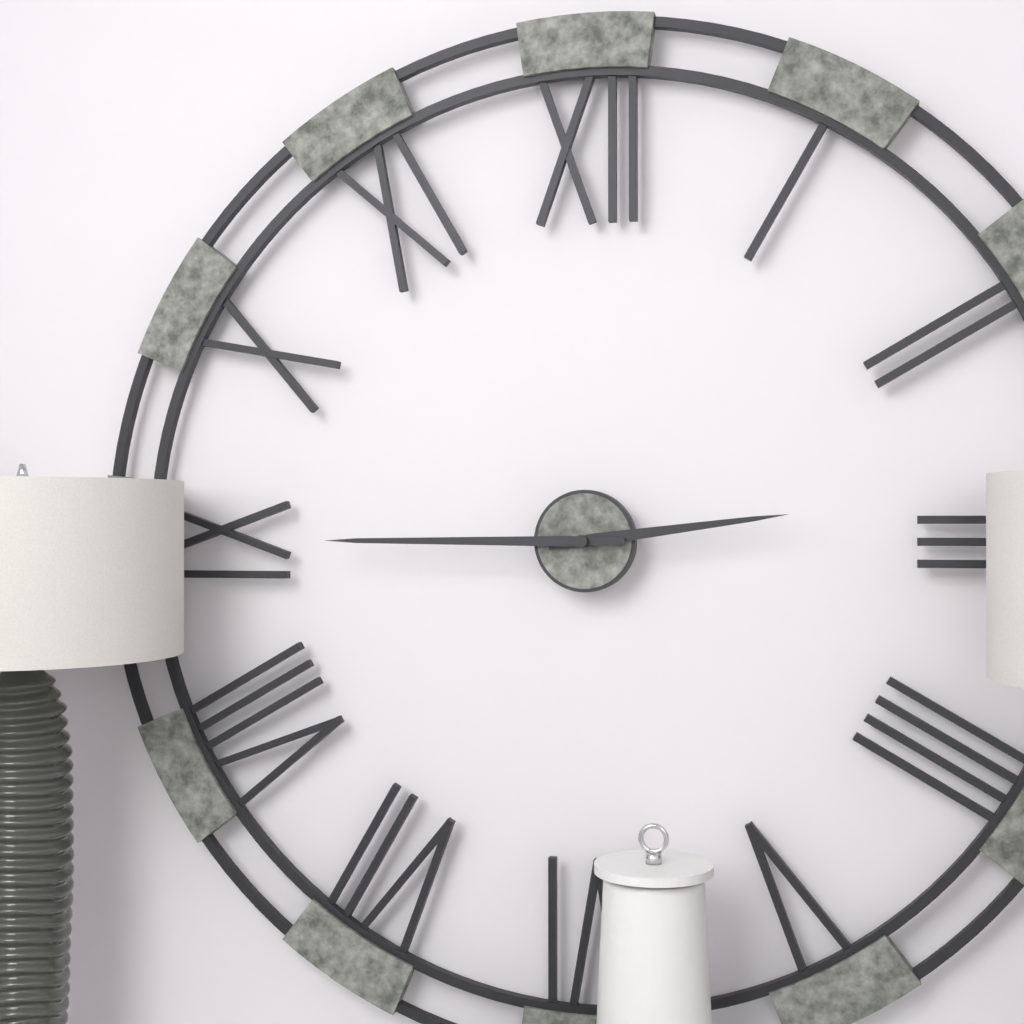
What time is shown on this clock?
2:45
